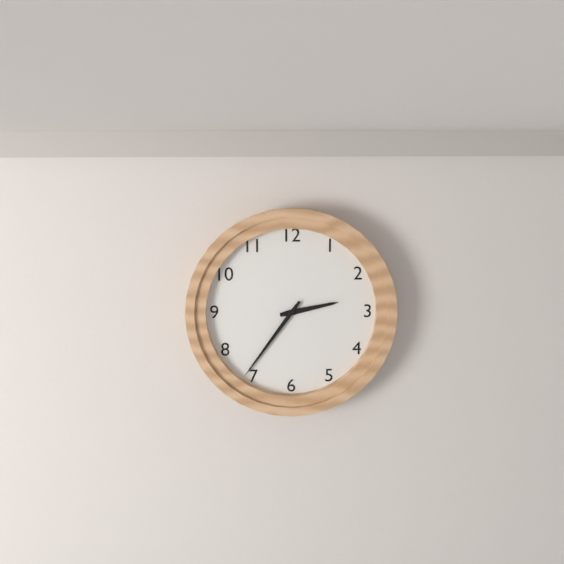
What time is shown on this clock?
2:36
